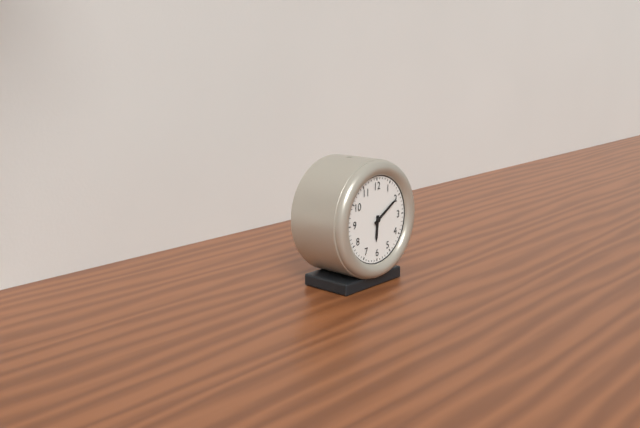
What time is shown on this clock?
6:10
